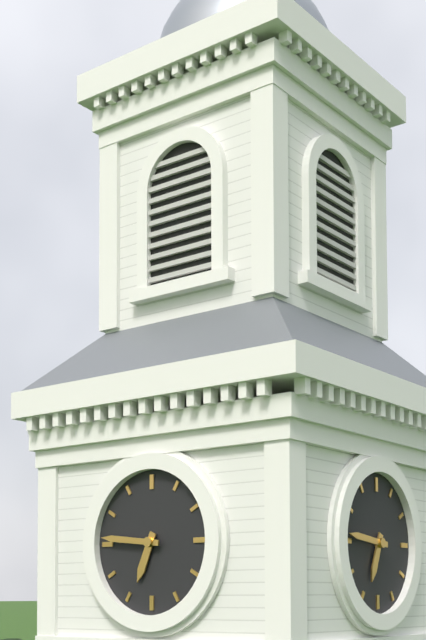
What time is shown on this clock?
6:46
